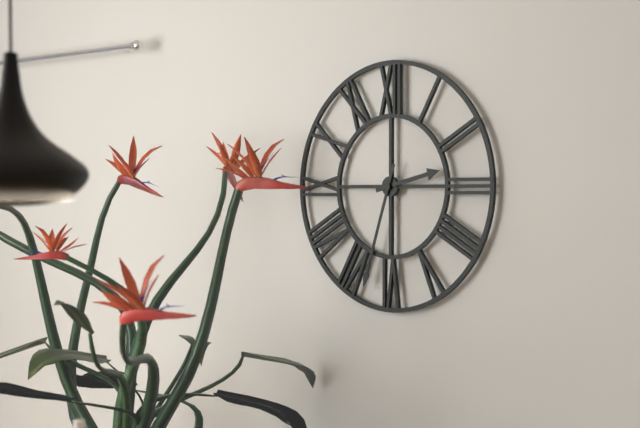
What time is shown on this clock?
2:33
